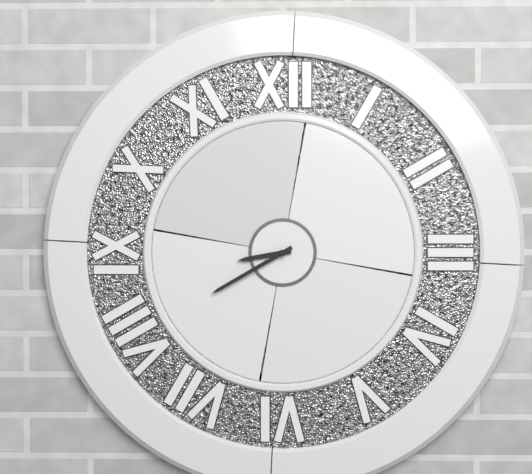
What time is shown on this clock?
8:40
